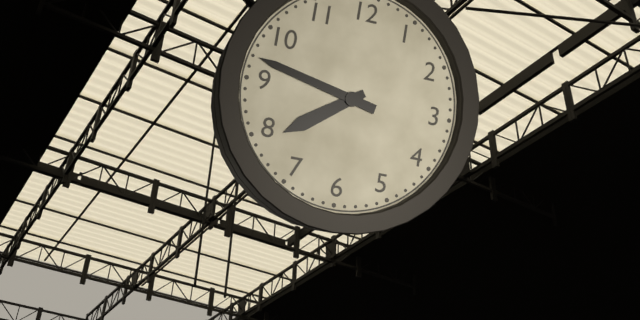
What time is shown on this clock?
7:47
